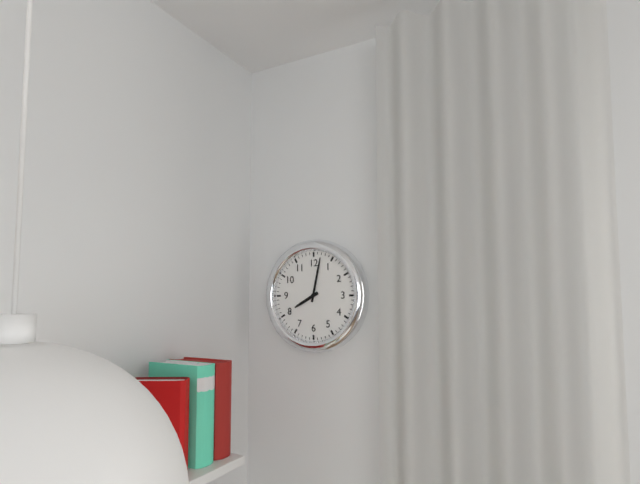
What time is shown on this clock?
8:02
